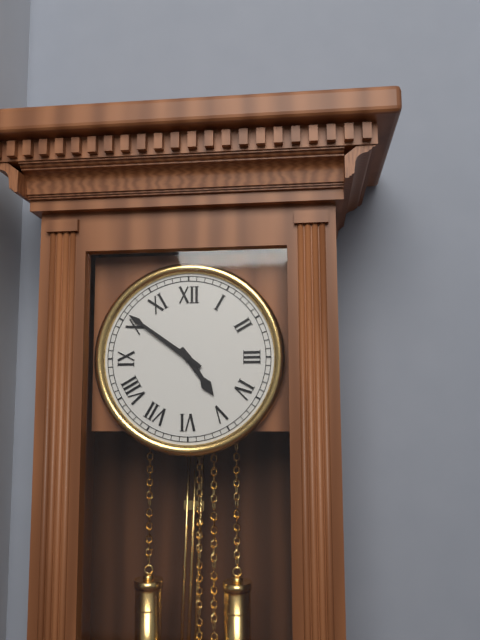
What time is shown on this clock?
4:51
